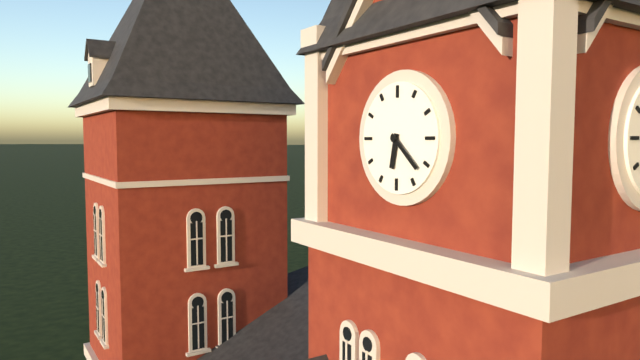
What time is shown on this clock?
6:22
